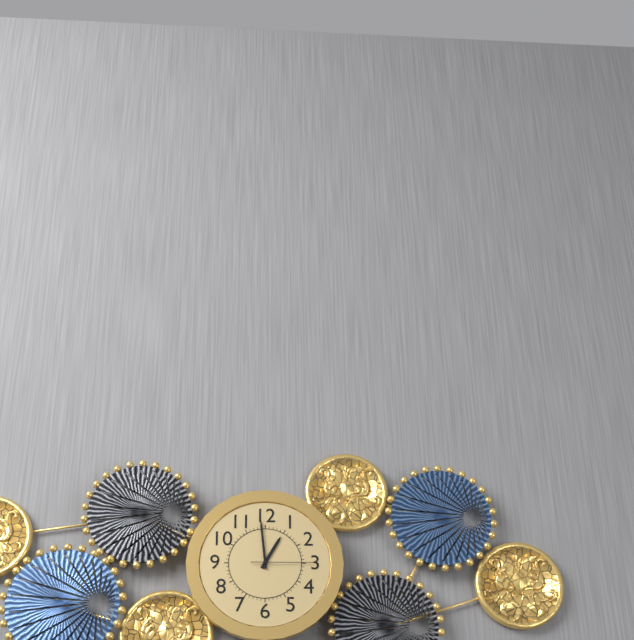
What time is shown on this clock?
12:59:15
